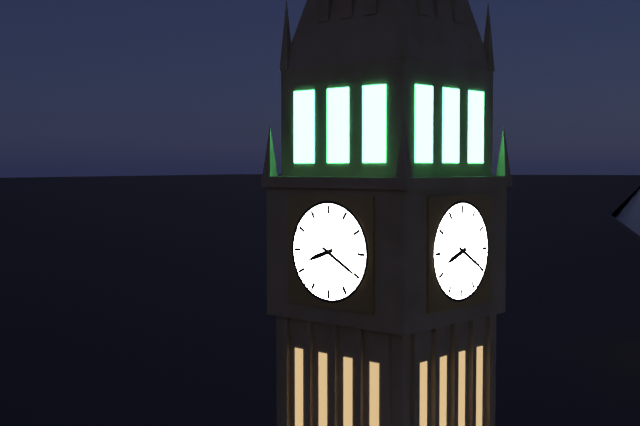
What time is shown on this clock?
8:20
